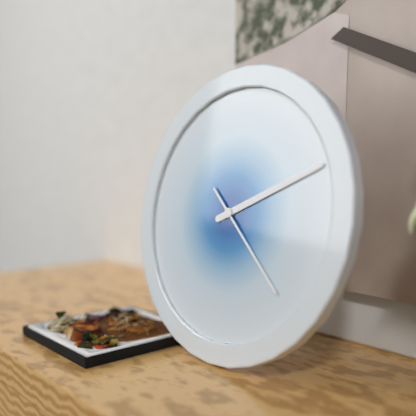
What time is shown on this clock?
2:11:22
